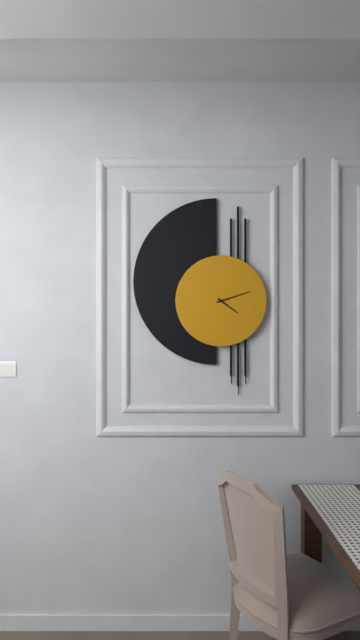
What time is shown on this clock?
4:12
